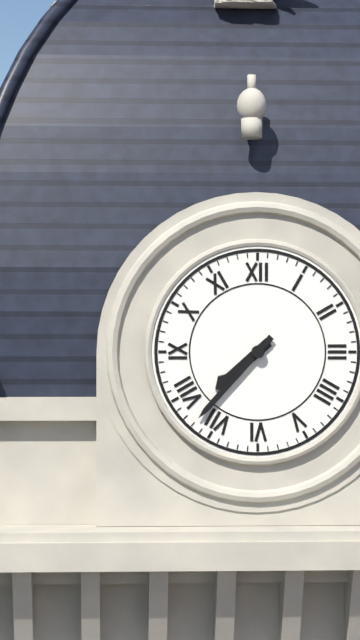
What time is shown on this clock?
7:37
